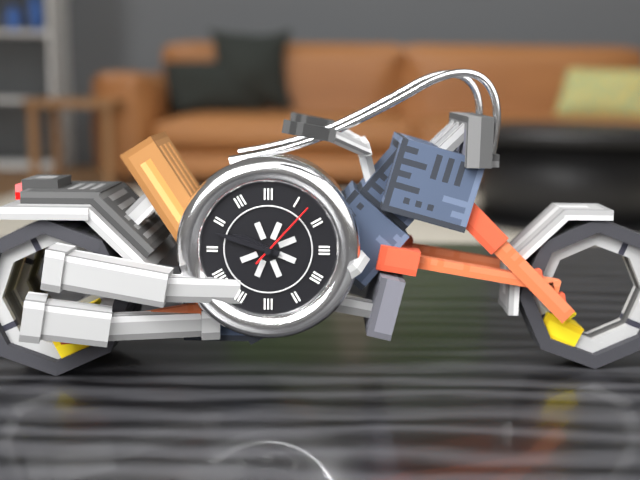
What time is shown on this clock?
9:48:07
